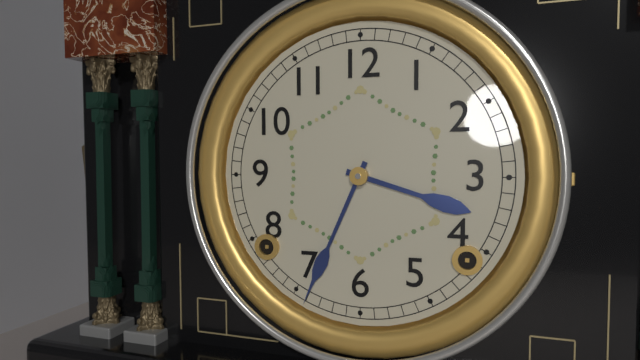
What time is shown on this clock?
3:34
